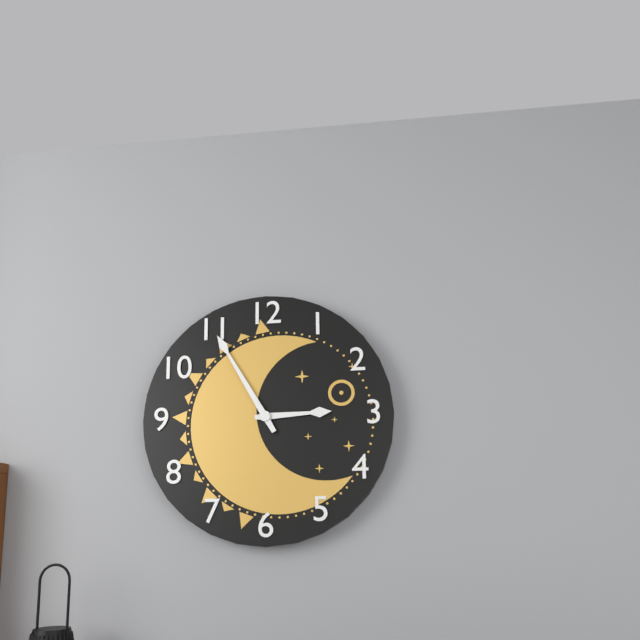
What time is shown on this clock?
2:55
